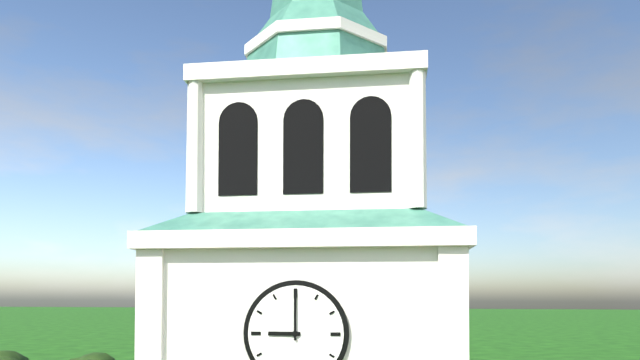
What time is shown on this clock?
9:00
